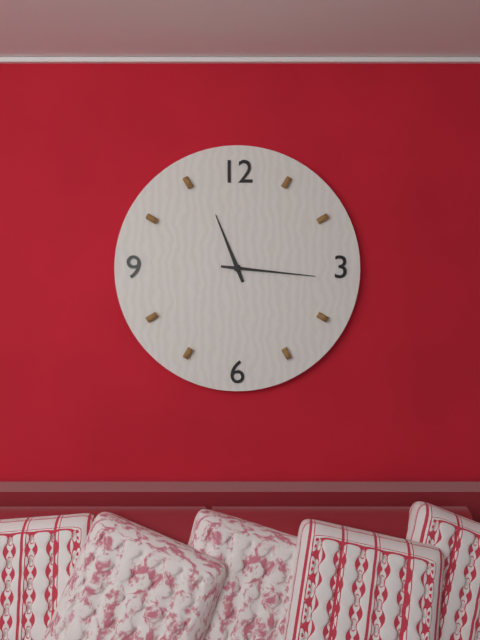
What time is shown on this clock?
11:16
